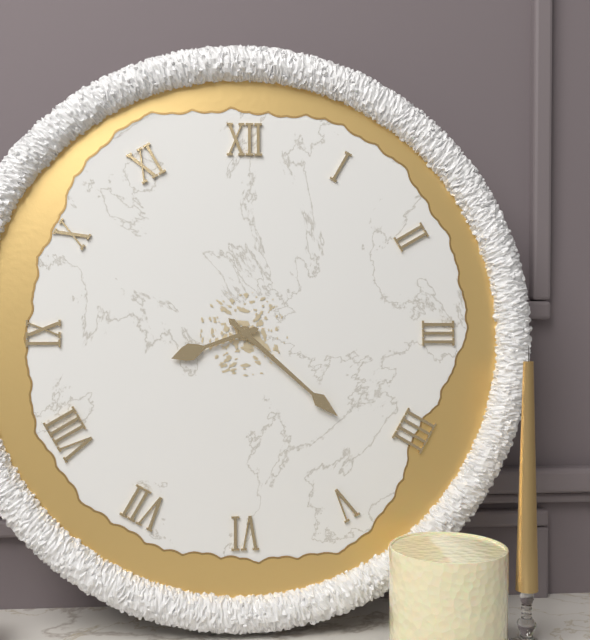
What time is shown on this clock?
8:22
